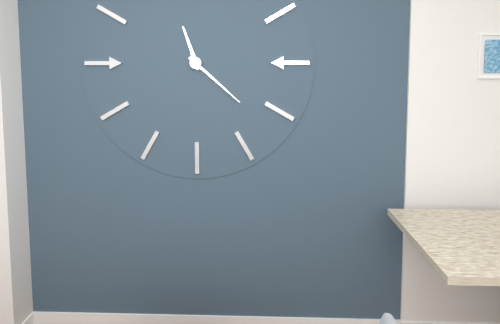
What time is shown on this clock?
11:22
